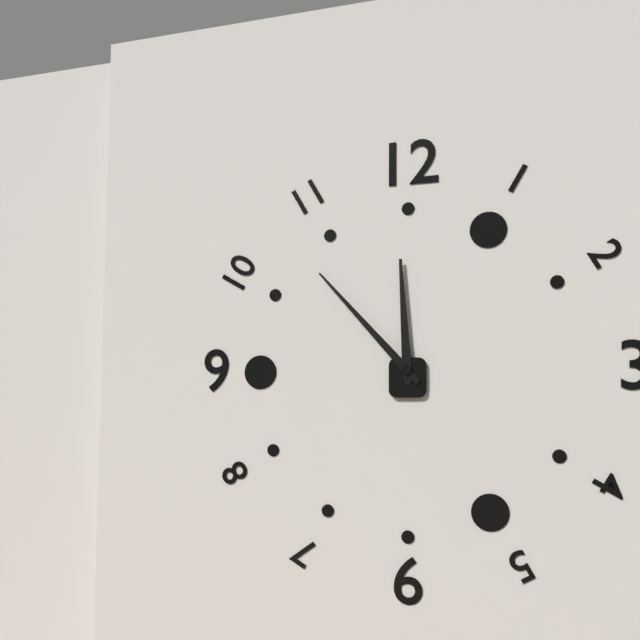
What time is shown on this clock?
11:53
